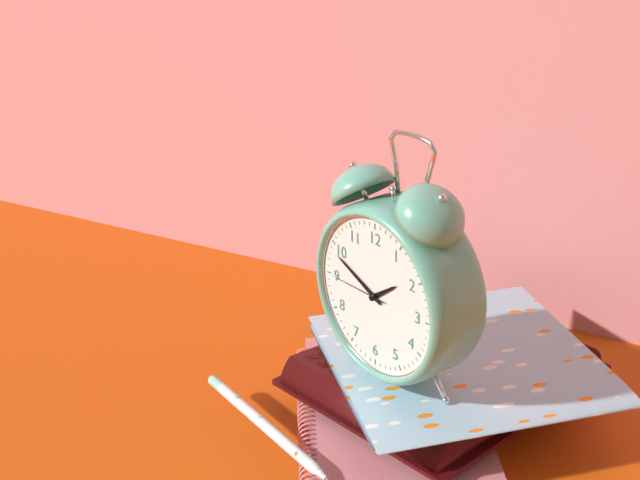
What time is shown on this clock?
1:49:45
